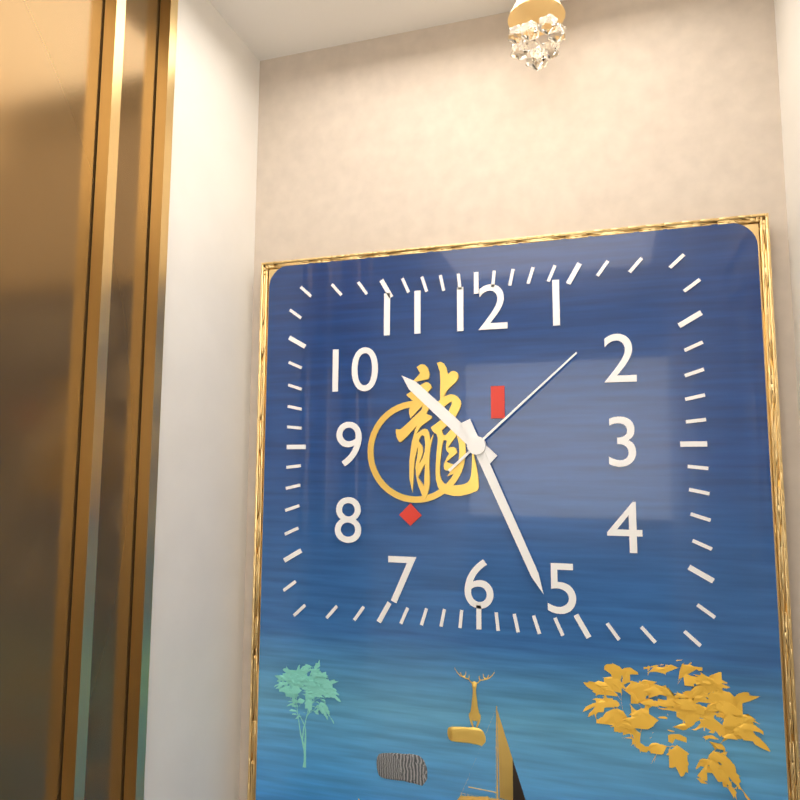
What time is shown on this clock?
10:26:08
